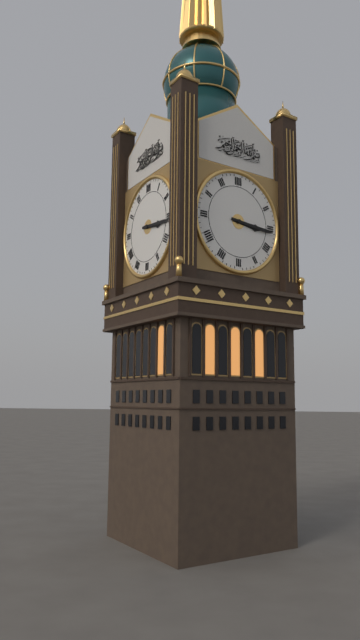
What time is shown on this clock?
3:16
